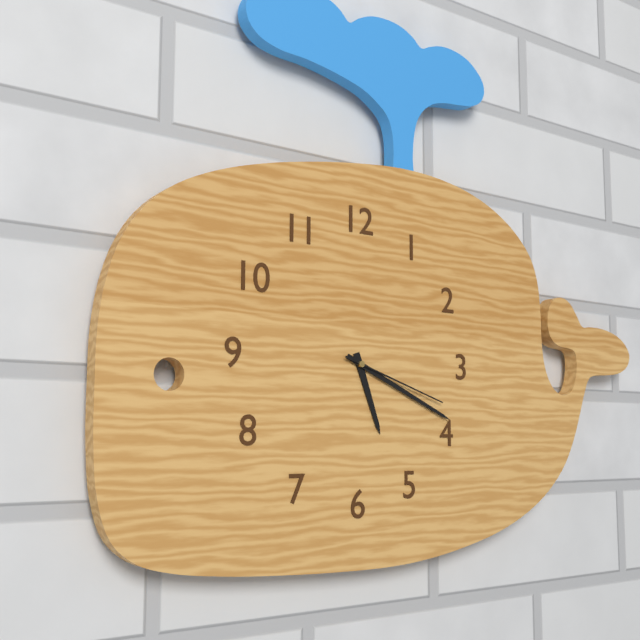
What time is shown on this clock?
5:19:18
